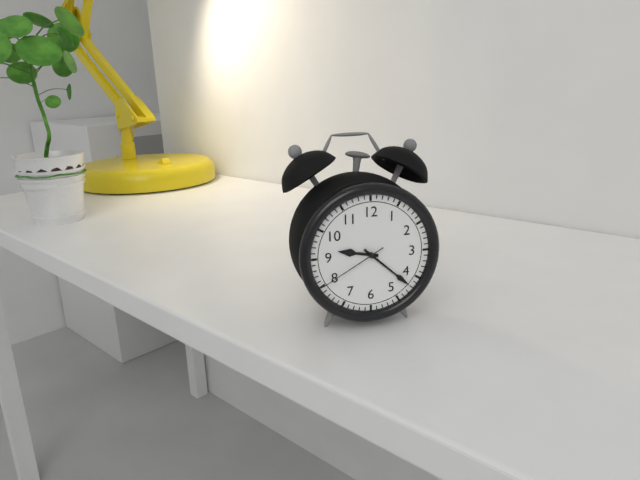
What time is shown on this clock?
9:22:40
